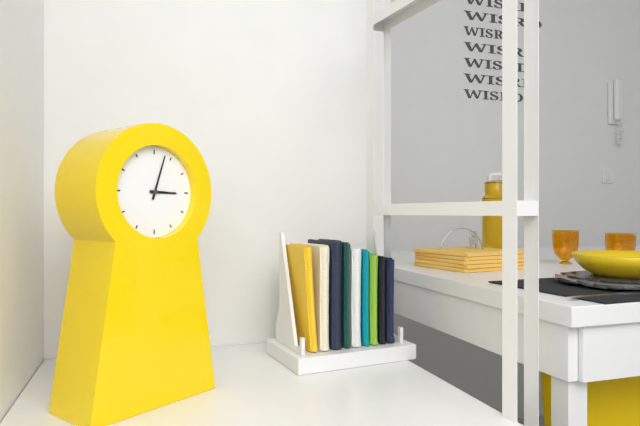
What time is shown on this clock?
3:03
